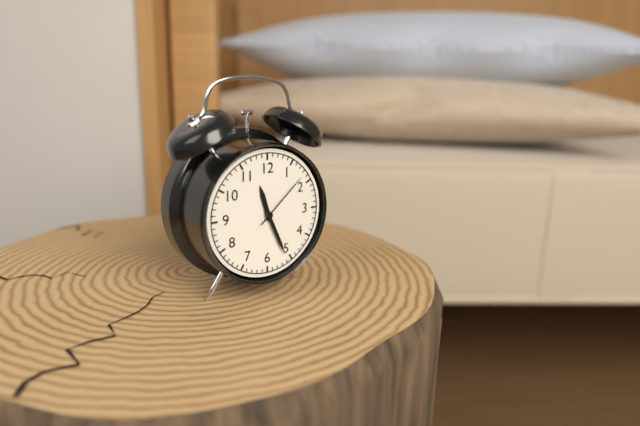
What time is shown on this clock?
11:26:08
